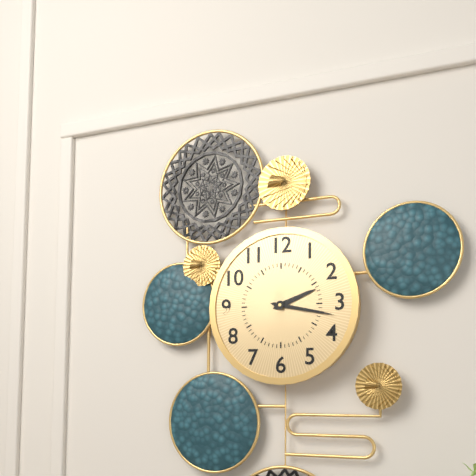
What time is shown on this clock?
2:17
